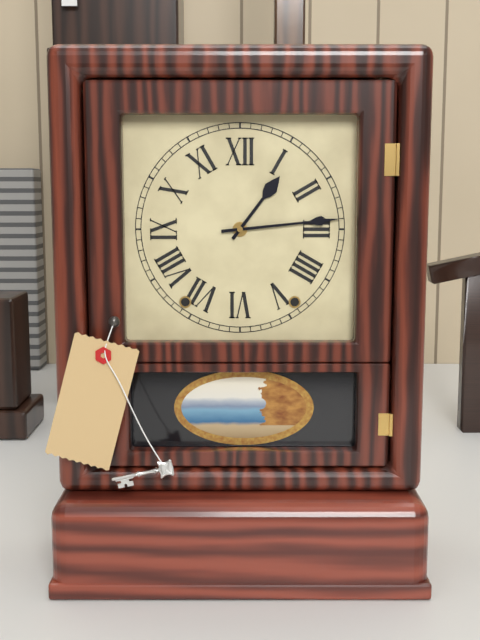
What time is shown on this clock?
1:14
